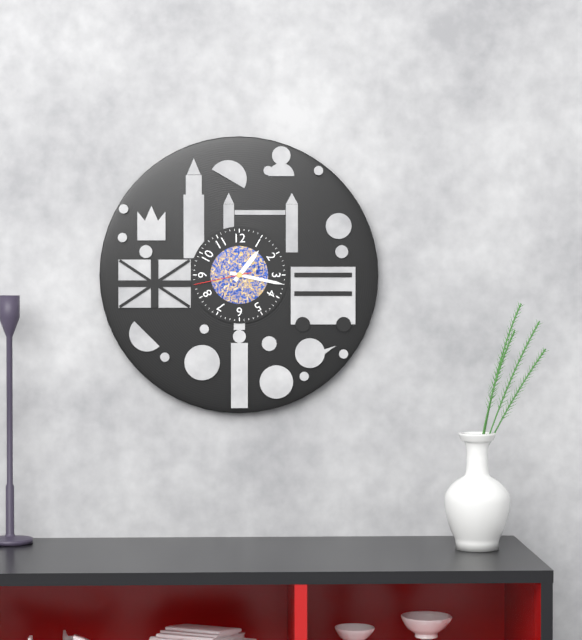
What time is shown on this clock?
1:17:43
